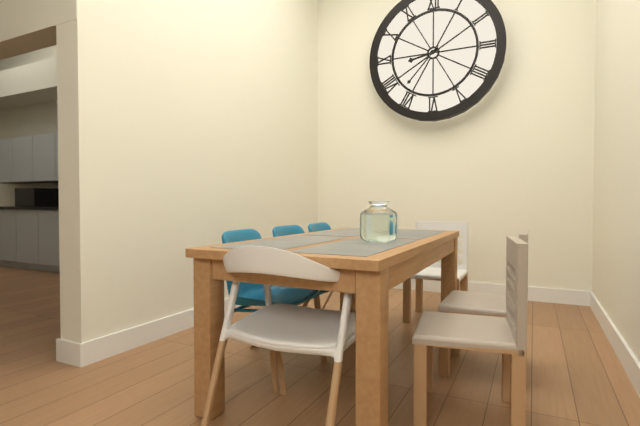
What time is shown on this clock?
8:37
